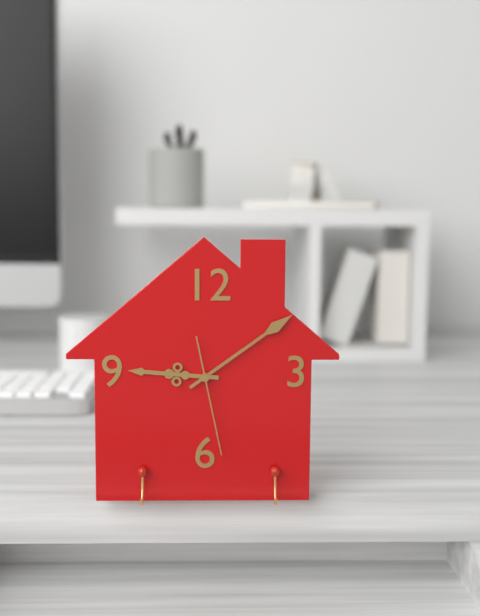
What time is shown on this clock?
9:09:28
